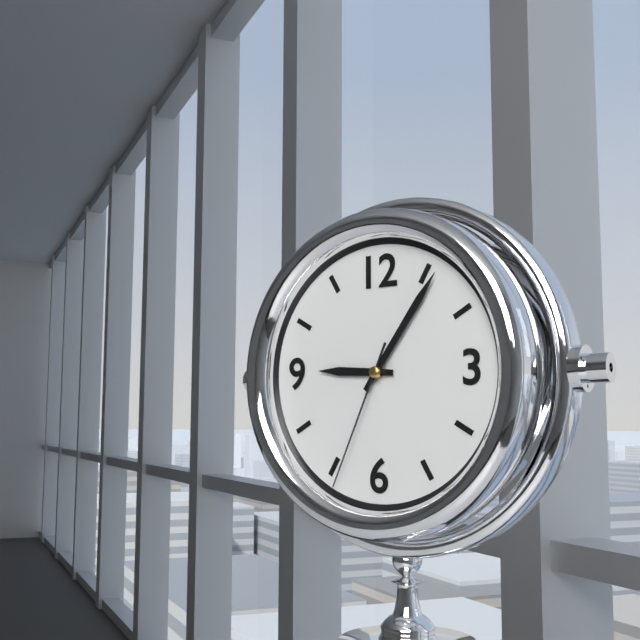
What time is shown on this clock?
9:06:34
